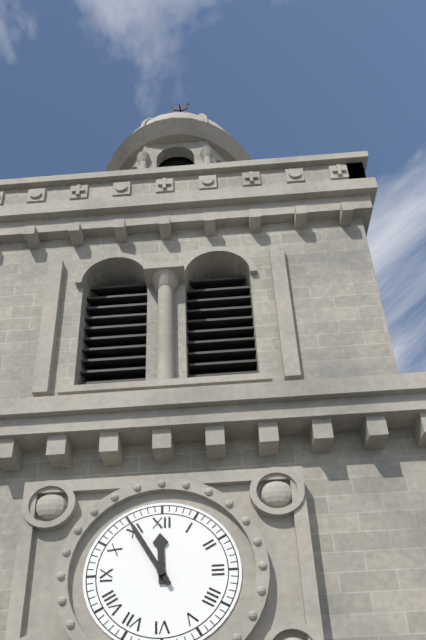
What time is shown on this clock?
11:55
